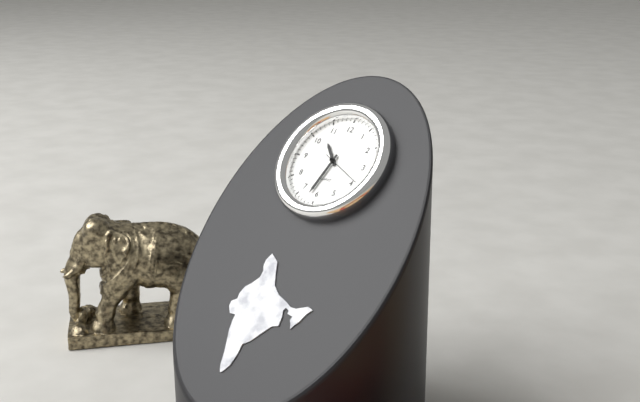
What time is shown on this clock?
10:32
